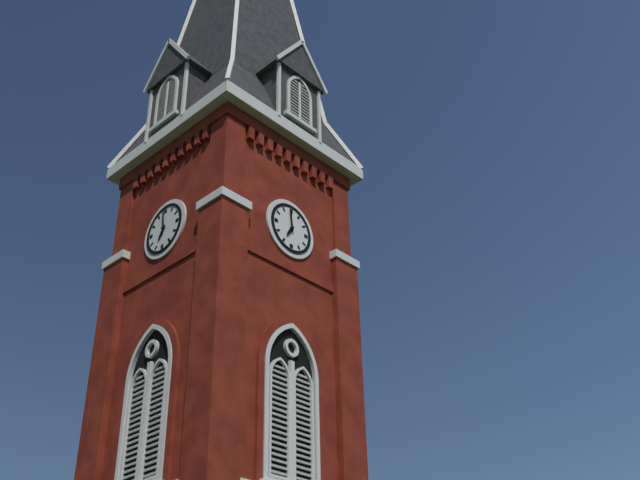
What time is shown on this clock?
6:59
